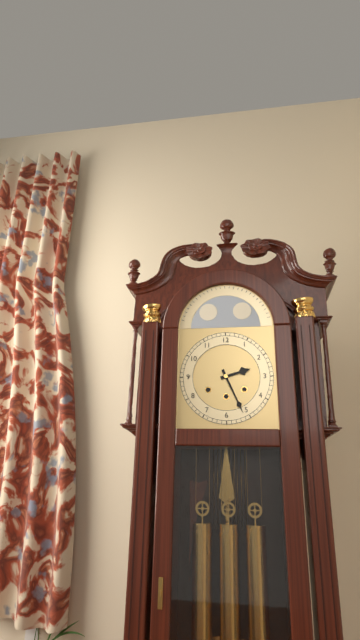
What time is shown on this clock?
2:26
